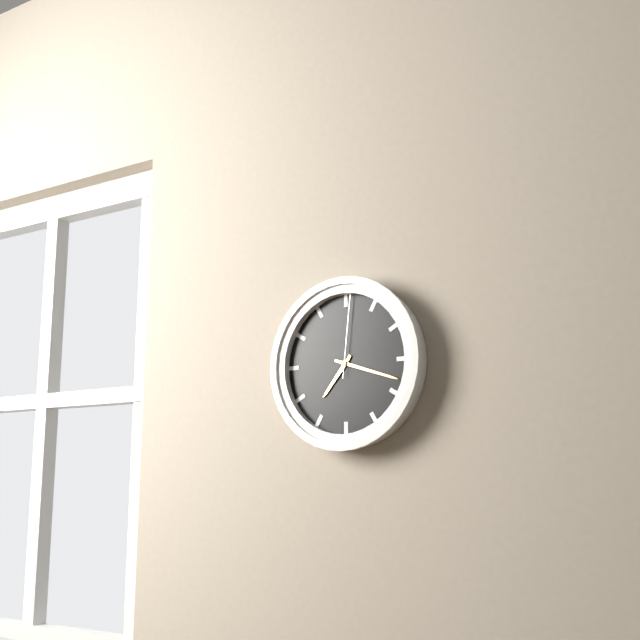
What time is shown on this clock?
7:18:01
